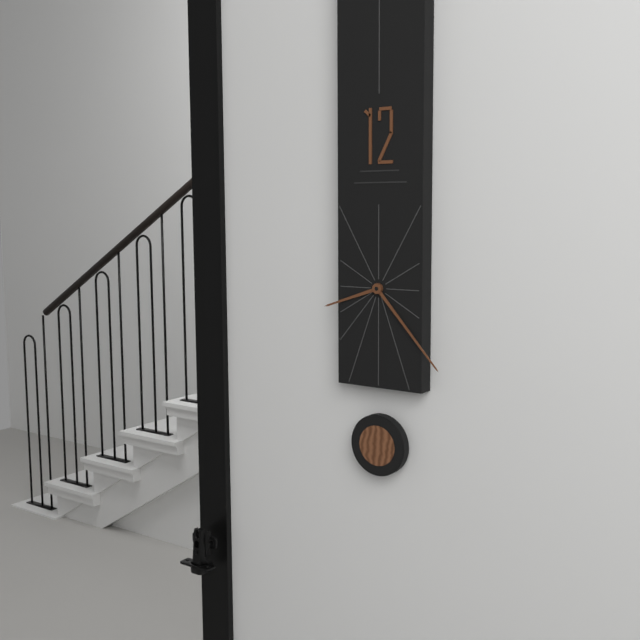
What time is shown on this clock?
8:23
